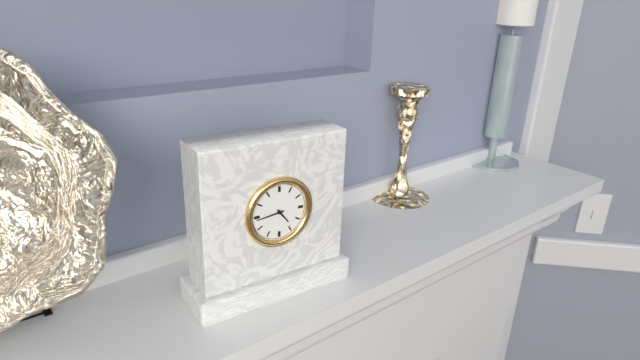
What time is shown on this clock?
4:44
